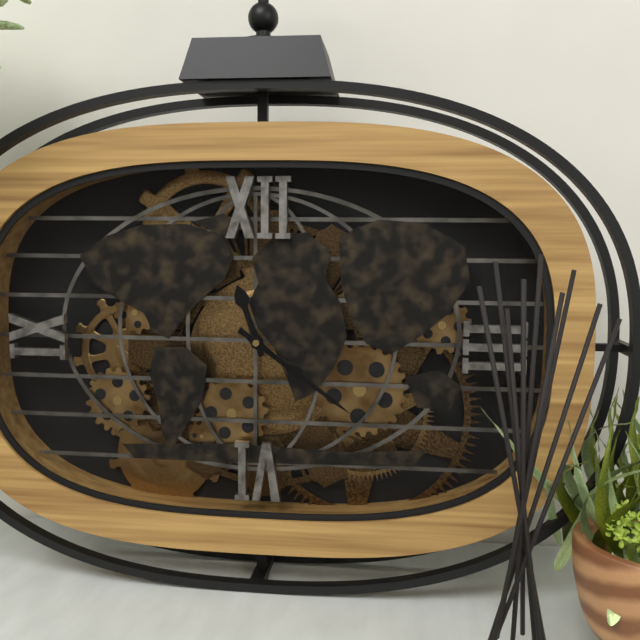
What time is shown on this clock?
11:21
